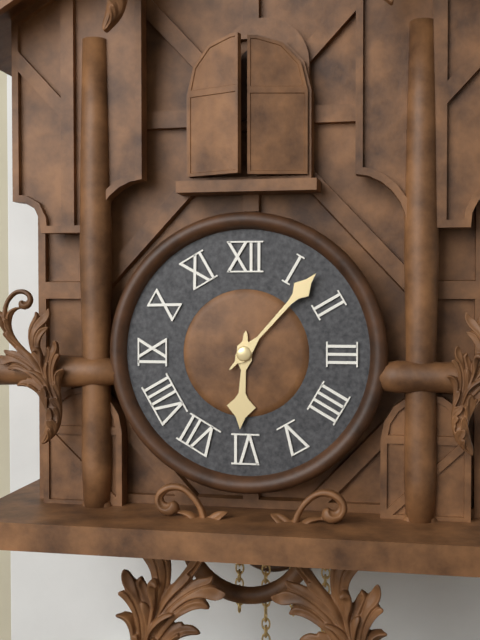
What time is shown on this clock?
6:07
